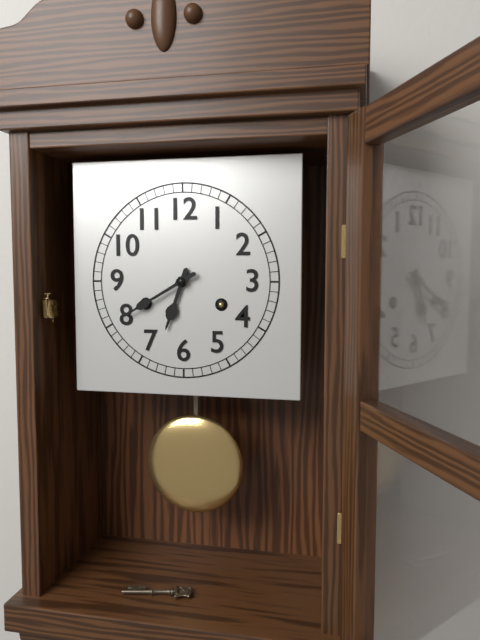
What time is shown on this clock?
6:40
